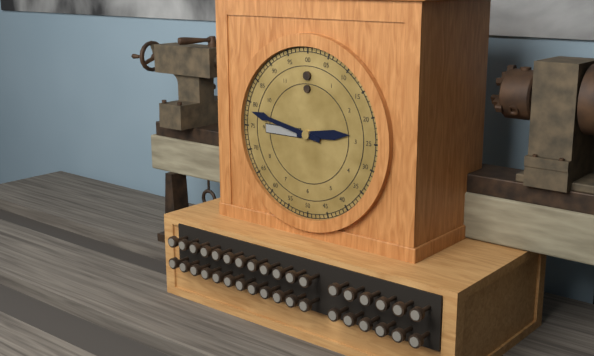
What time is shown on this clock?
2:47
